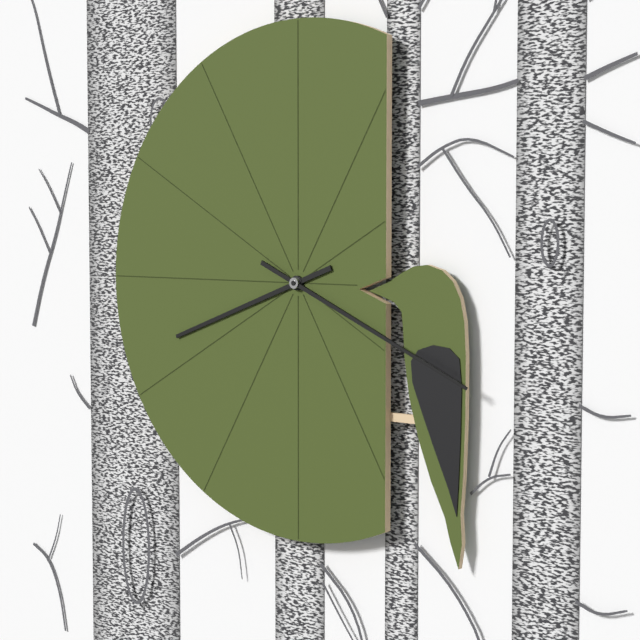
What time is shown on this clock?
8:19
